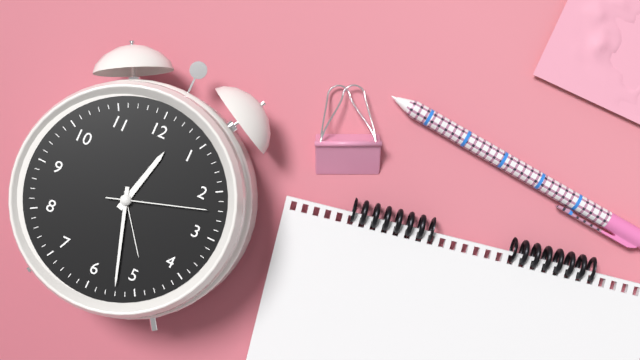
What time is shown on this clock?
12:27:12
